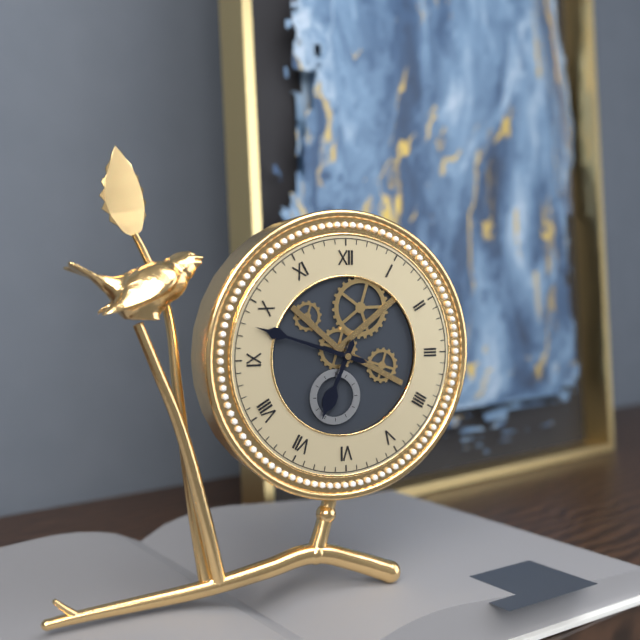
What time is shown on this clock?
6:48
